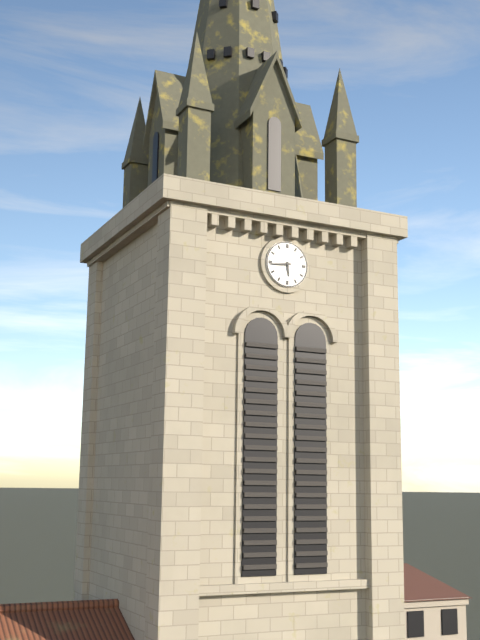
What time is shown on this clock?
5:44
